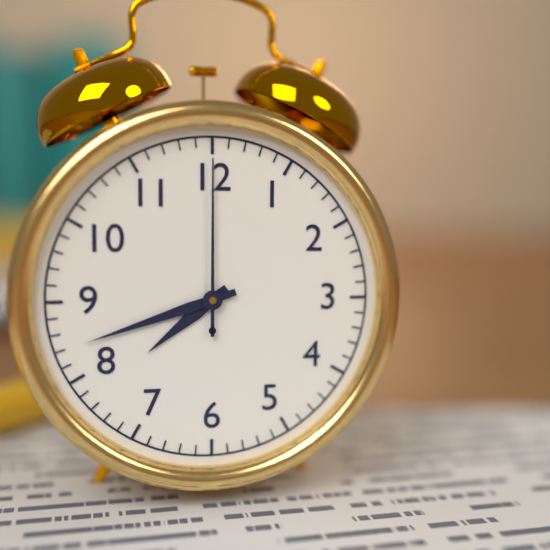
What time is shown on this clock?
7:42:00
